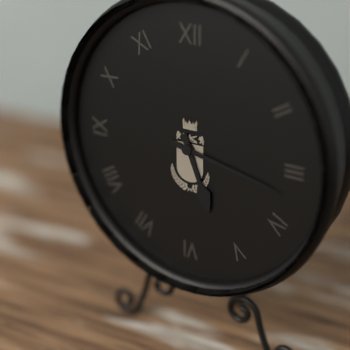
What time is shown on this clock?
5:17
